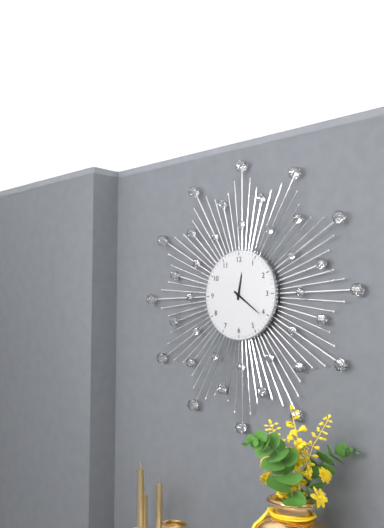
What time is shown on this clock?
12:21
